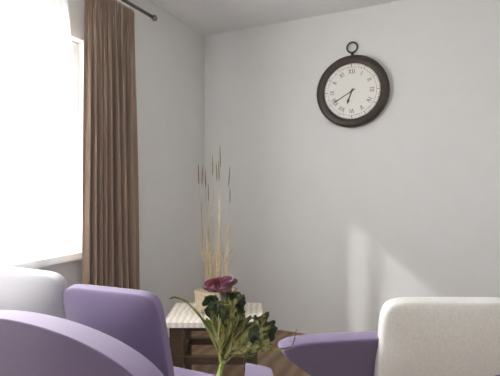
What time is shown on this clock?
6:40
